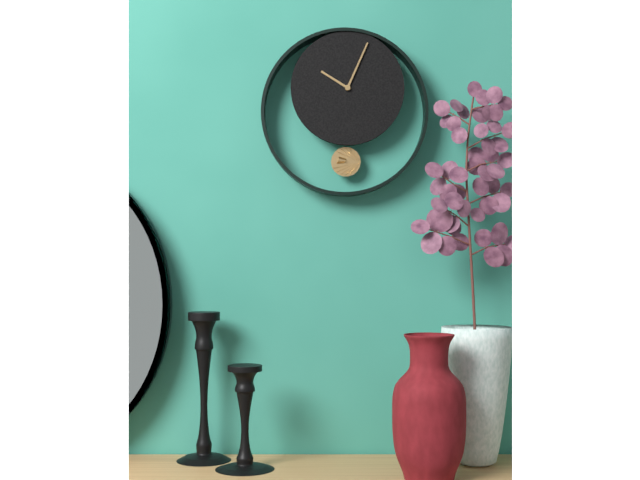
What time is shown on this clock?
10:04
